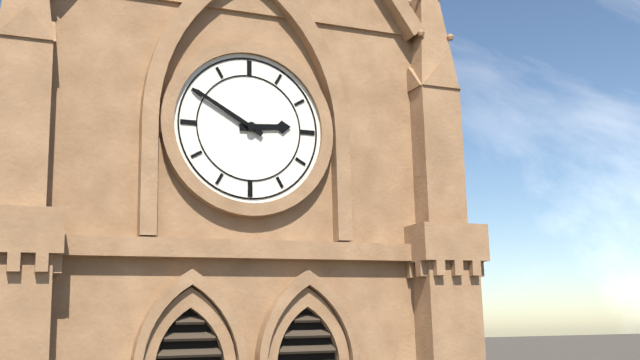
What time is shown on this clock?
2:50
